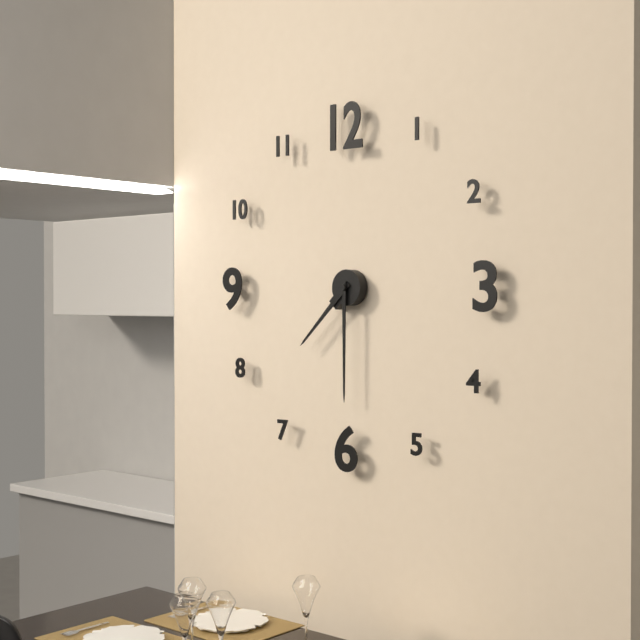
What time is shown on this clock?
7:30
